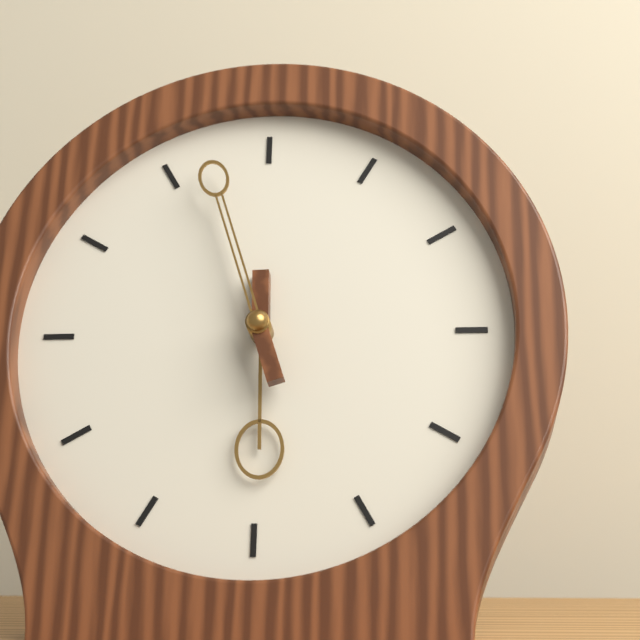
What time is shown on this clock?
5:57
